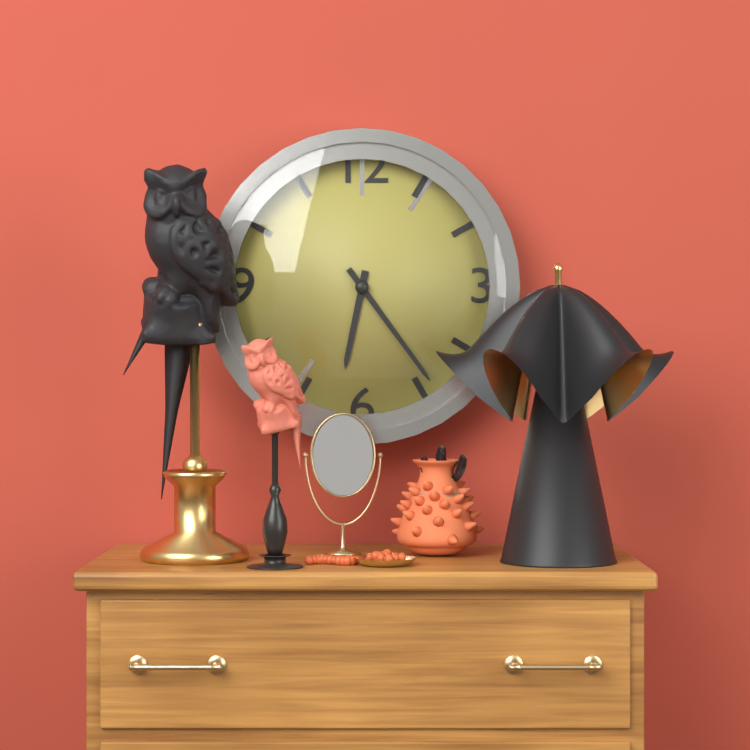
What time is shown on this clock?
6:24
